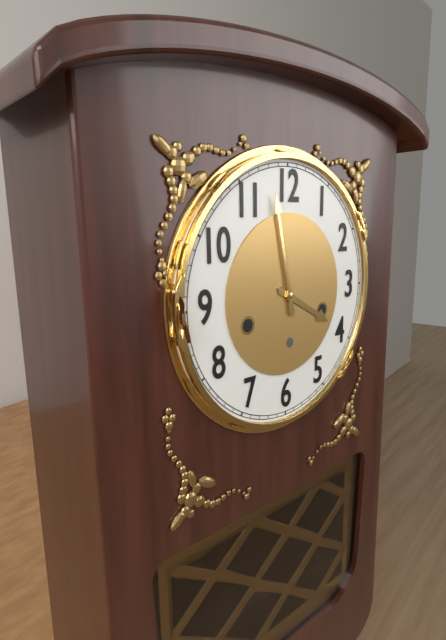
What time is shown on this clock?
3:58
